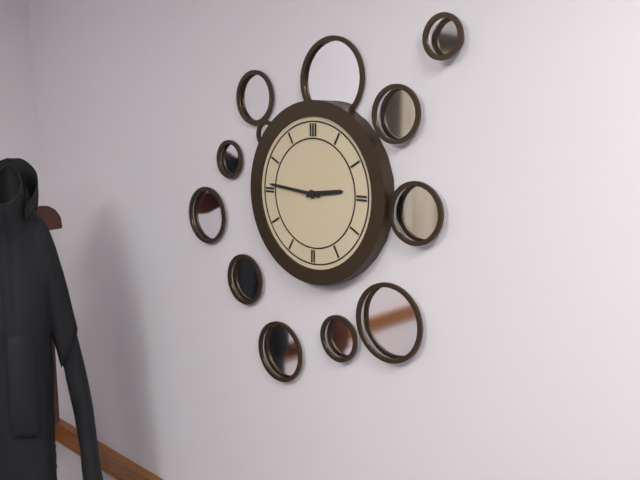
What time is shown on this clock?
2:46
